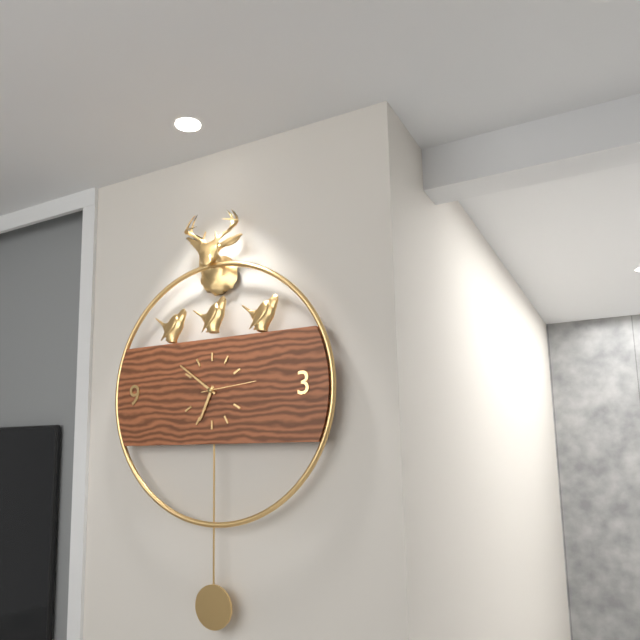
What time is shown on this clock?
6:51:14
